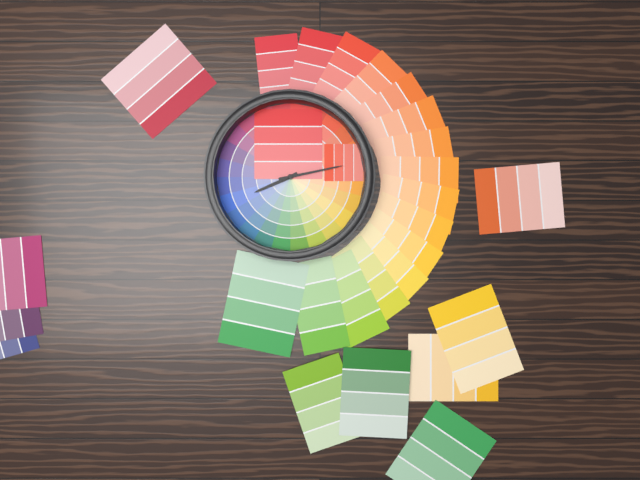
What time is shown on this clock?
8:13
